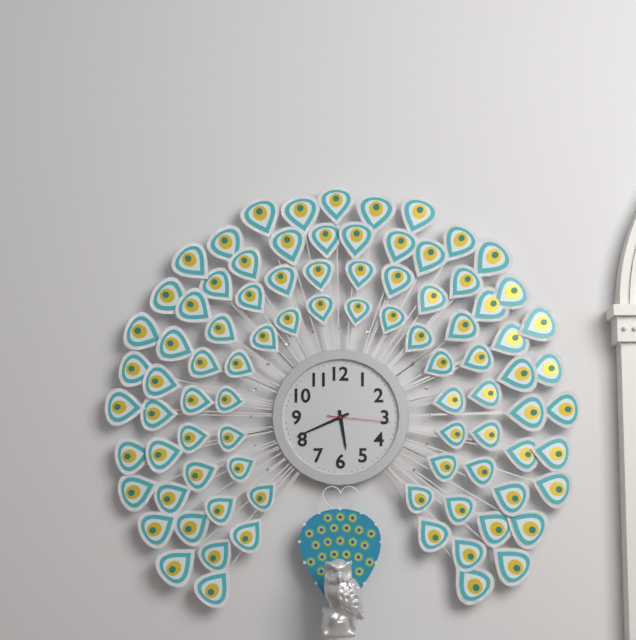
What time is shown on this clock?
5:41:16
